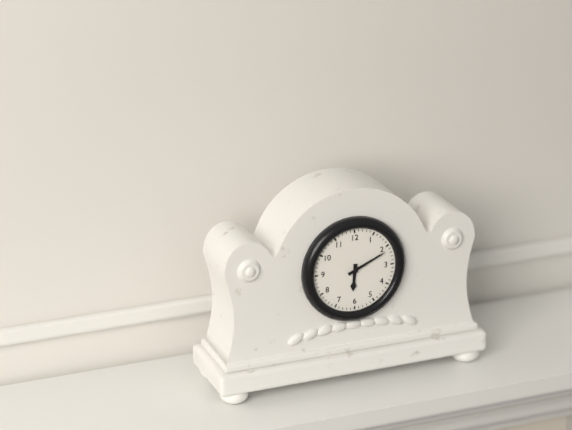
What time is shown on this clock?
6:11
